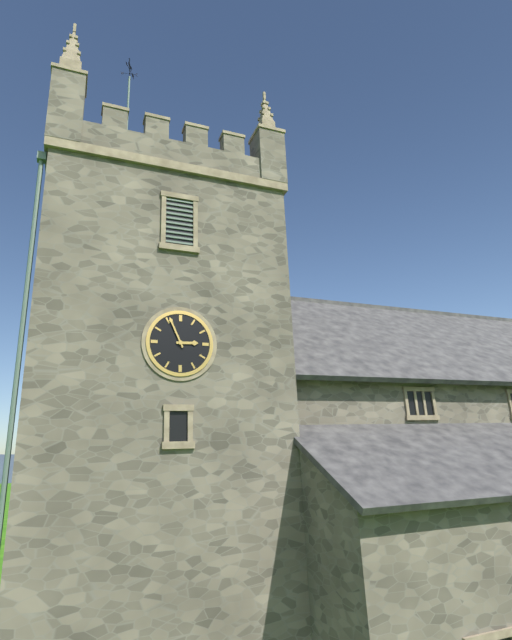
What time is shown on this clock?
2:56
